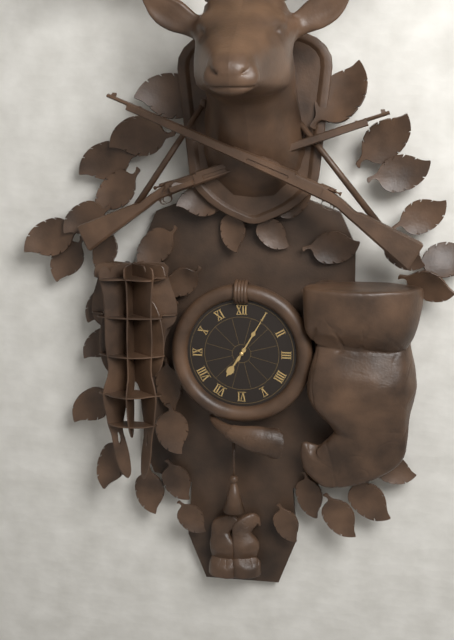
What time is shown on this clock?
7:05
